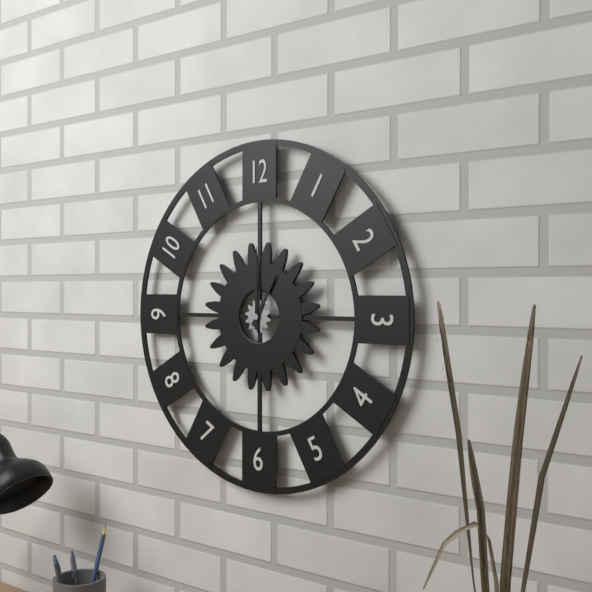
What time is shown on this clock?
1:00
